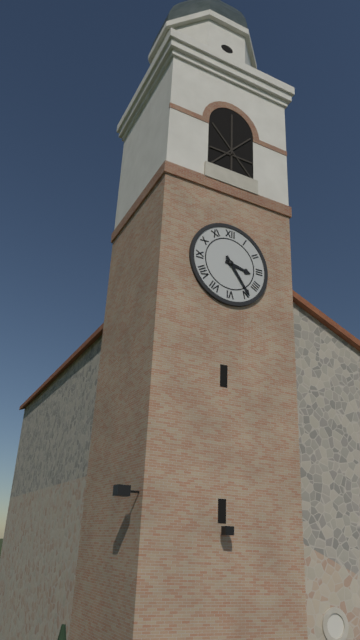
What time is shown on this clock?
3:24
